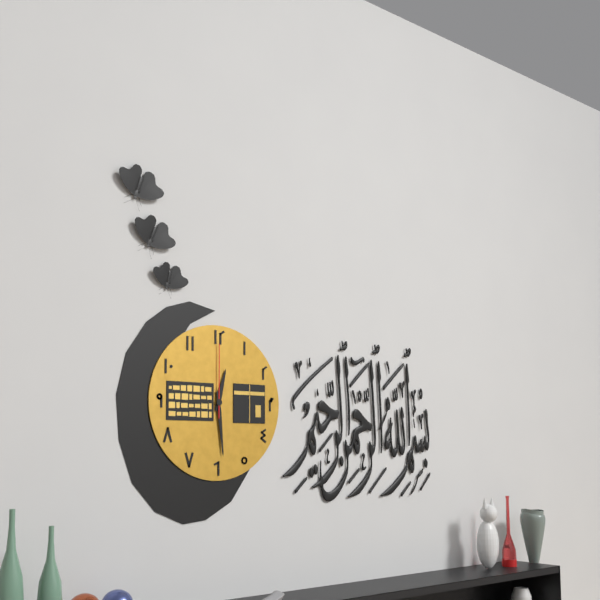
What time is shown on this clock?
12:29:00
